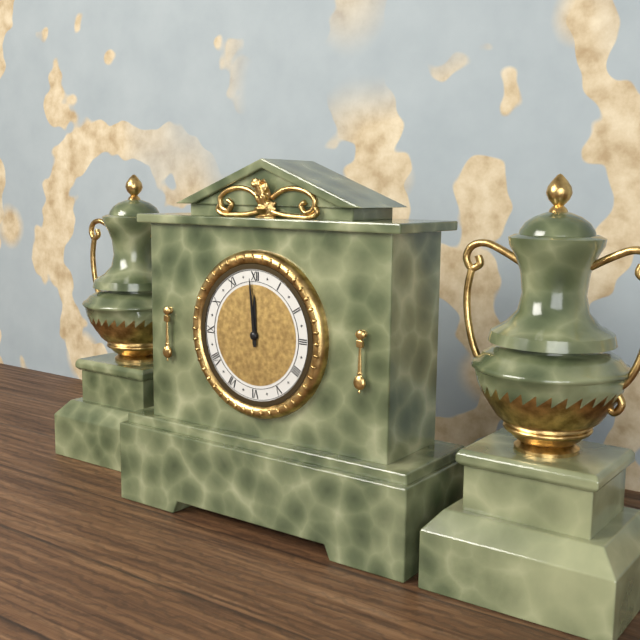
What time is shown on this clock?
11:59
